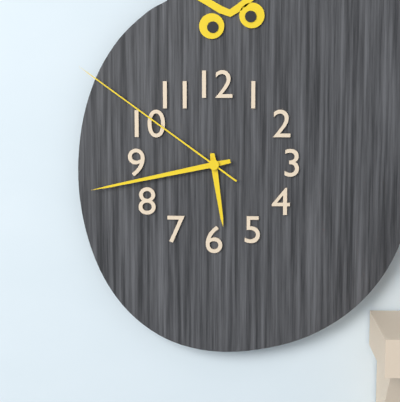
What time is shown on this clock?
5:43:51
